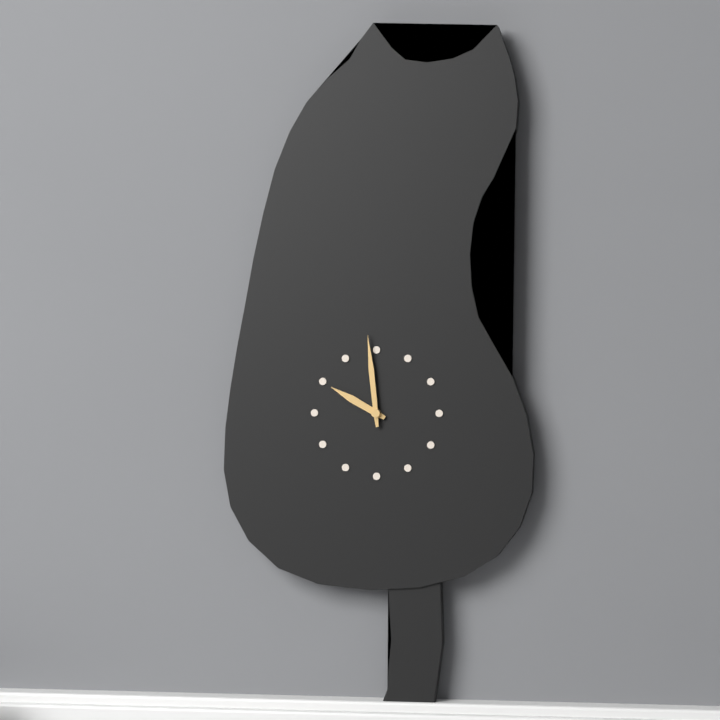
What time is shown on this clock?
9:59
